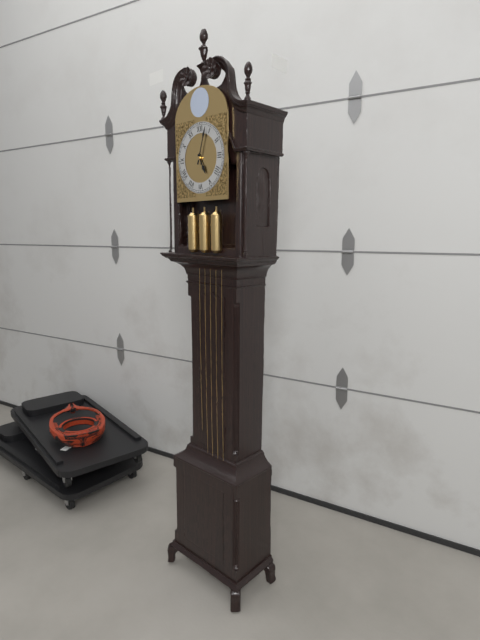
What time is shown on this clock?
5:03
